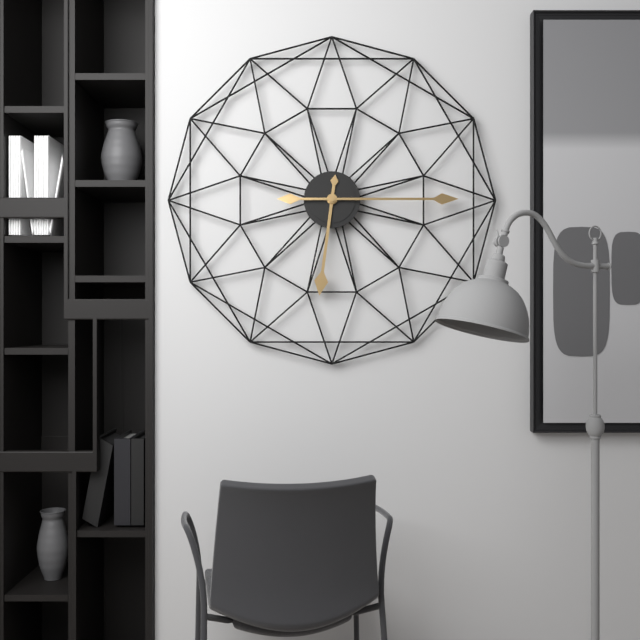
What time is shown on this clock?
6:15
